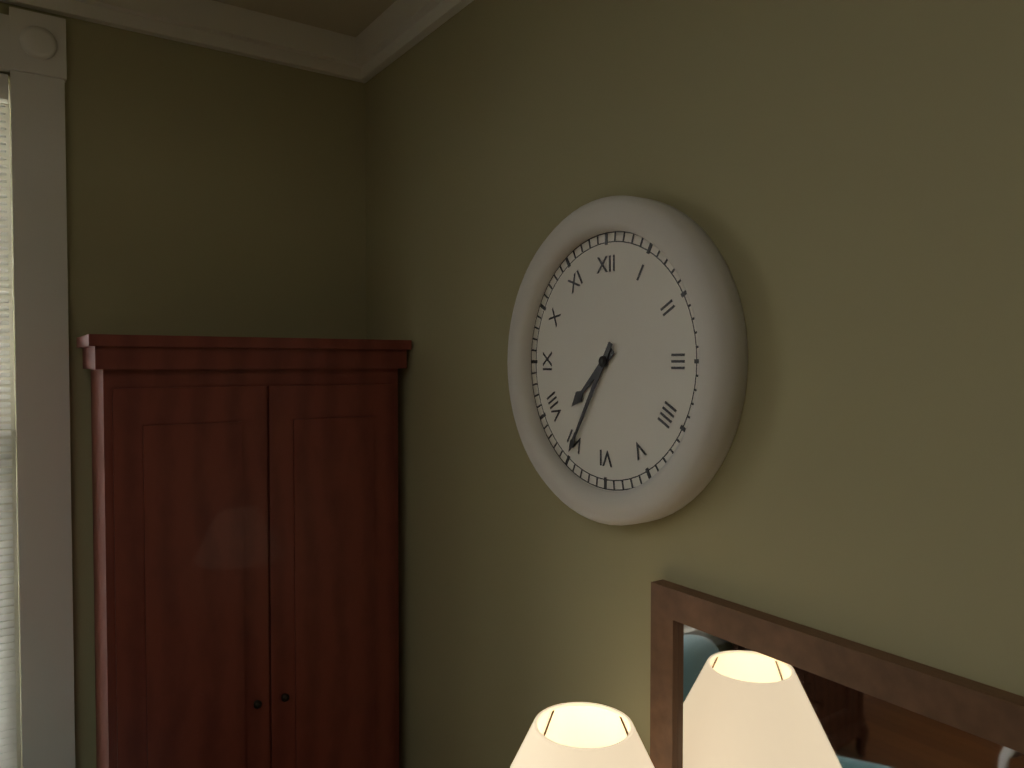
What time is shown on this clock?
7:35
